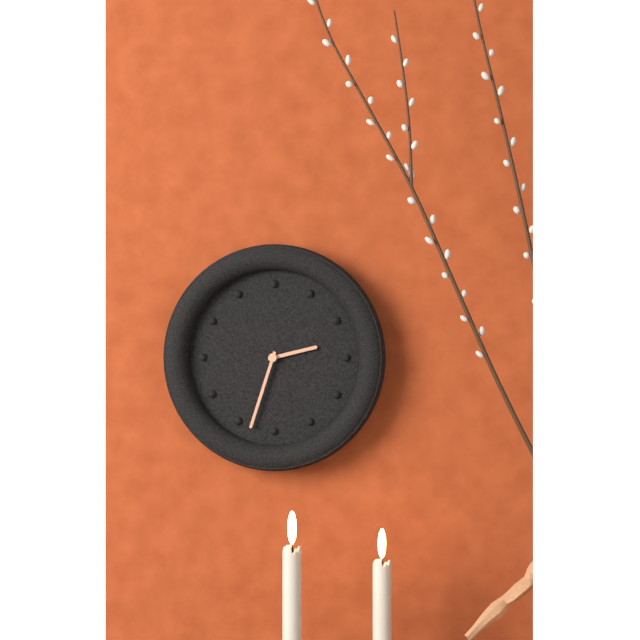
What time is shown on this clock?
2:33
